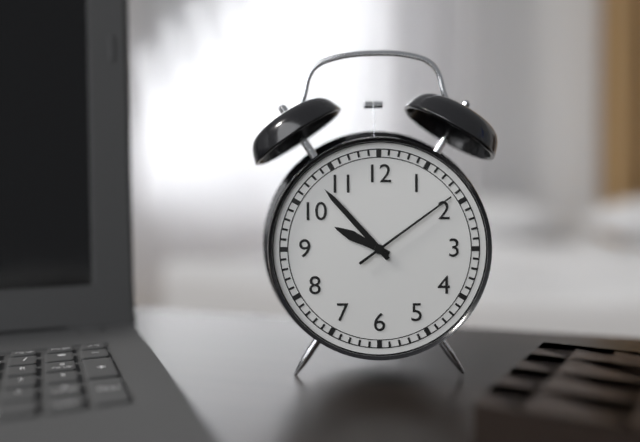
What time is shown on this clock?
9:53:09
